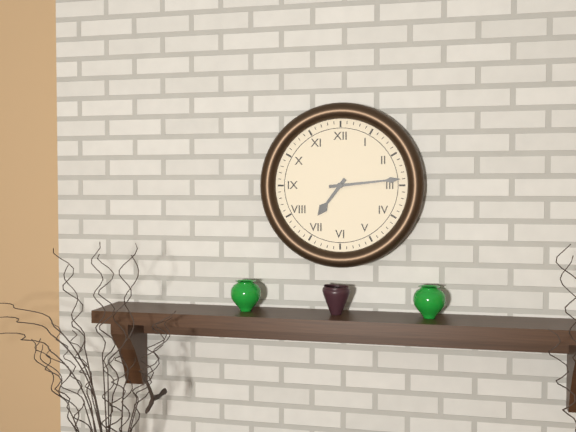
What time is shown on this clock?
7:14
